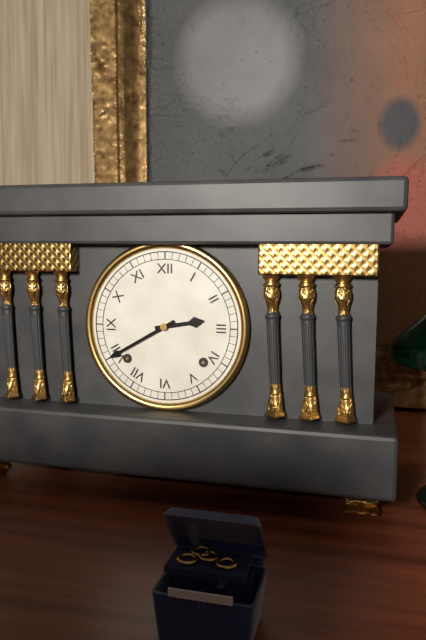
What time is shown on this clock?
2:40
